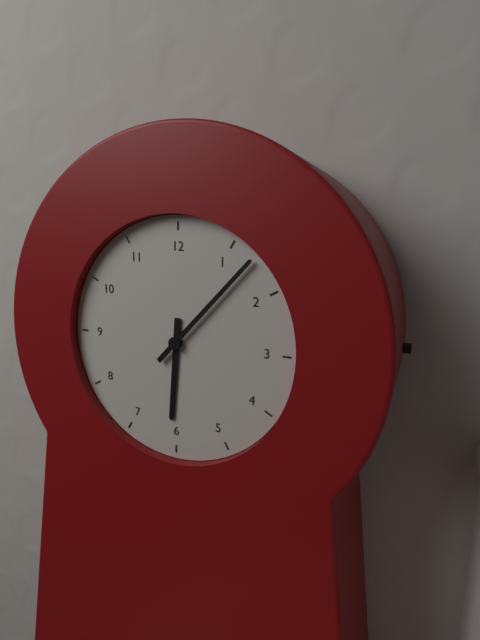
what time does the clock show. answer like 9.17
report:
6.07
